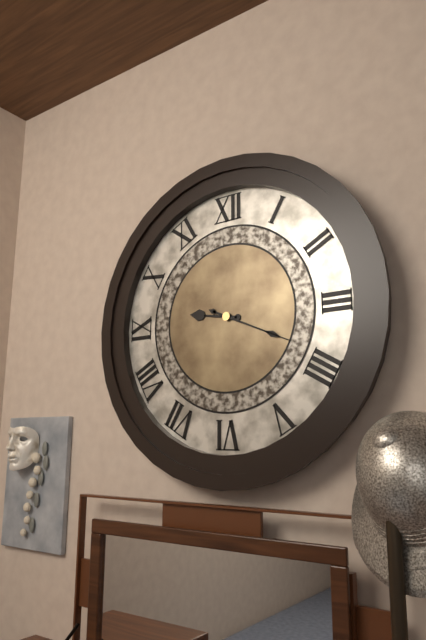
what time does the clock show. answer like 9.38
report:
9.19
